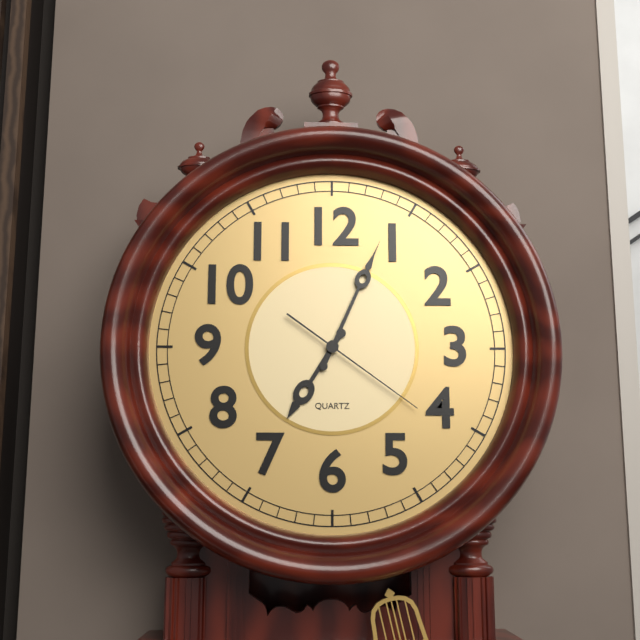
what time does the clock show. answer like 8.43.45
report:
7.04.21
